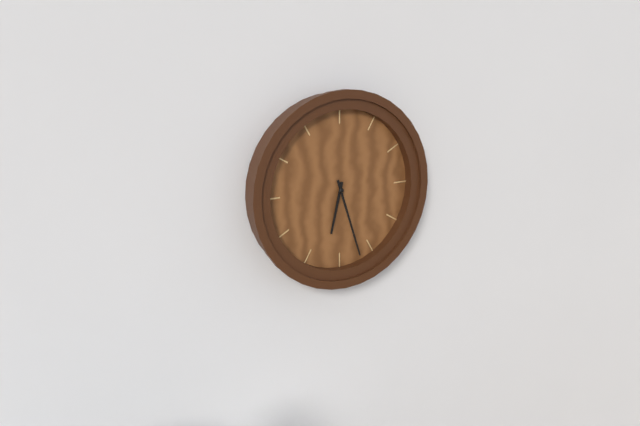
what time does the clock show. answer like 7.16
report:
6.27
